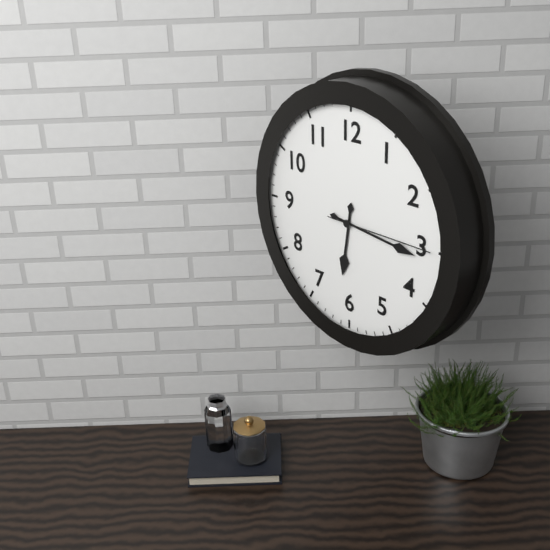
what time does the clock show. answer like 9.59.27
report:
6.16.15
